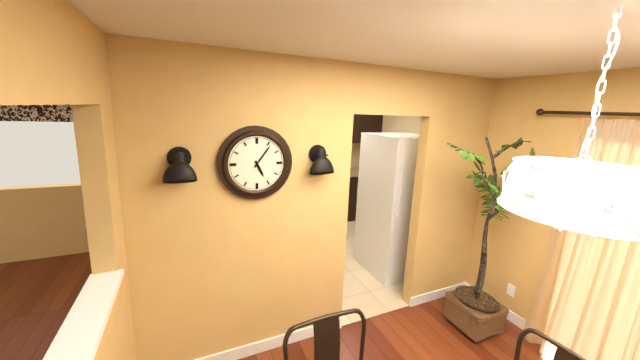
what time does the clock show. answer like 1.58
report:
5.06
